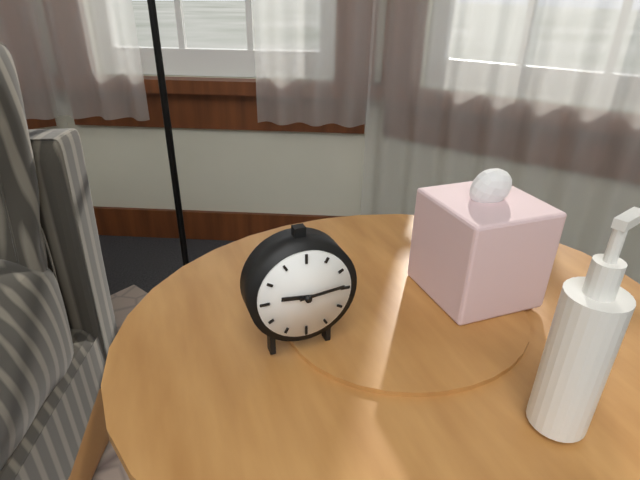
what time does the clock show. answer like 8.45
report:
9.14
